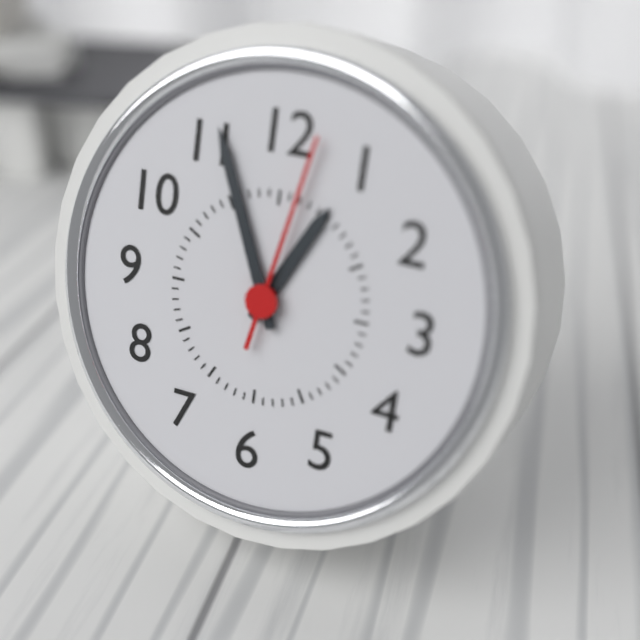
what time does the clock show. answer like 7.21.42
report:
12.56.02
